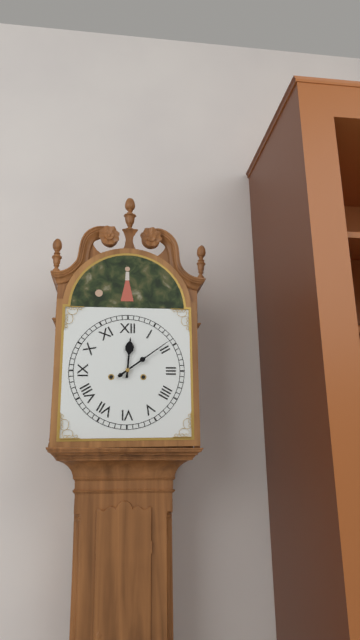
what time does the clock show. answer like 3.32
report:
12.09
